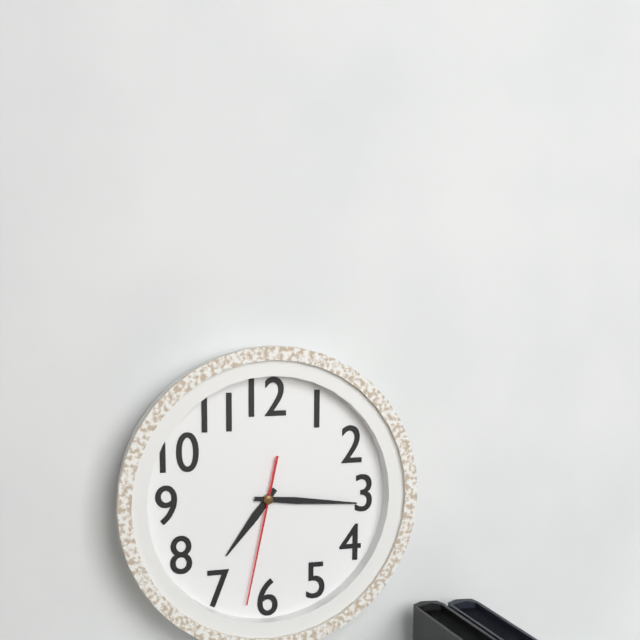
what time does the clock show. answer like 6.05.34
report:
7.16.32
